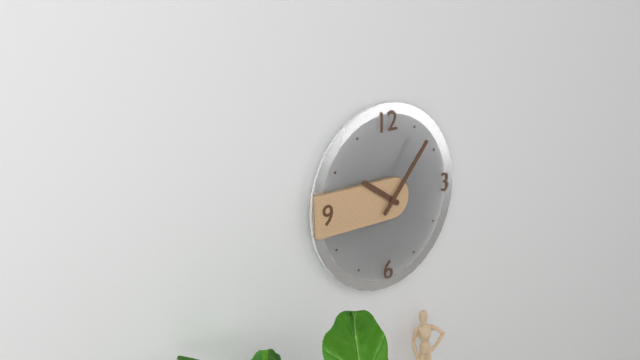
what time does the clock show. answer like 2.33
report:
10.07
